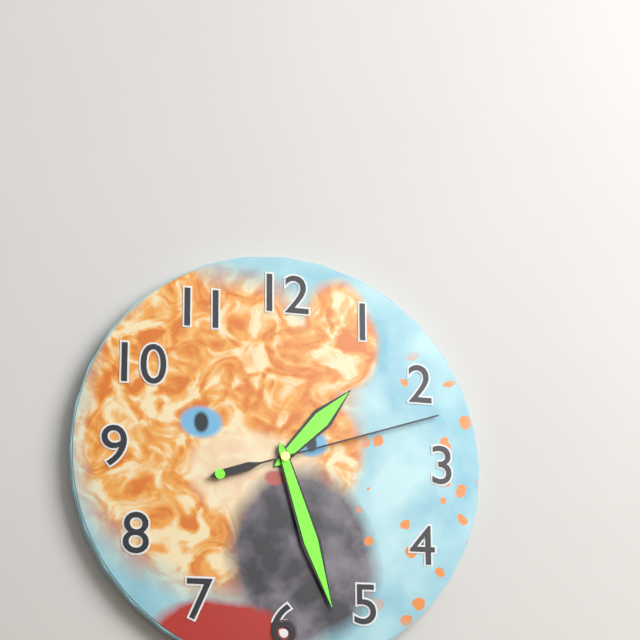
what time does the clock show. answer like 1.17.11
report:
1.27.12
